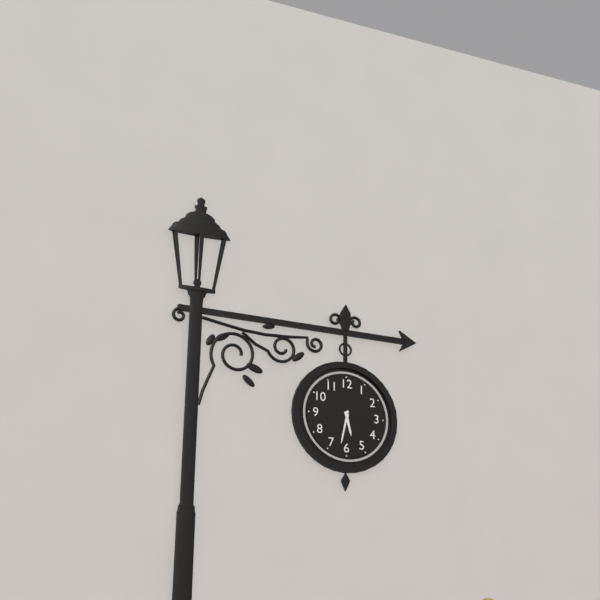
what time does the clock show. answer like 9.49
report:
5.32
